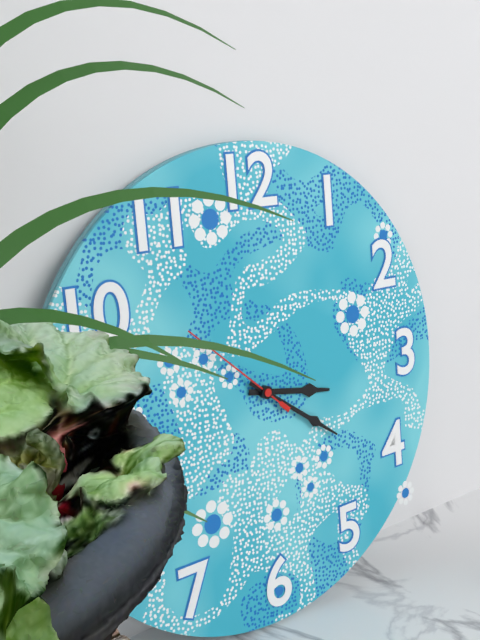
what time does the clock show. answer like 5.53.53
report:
3.21.52
